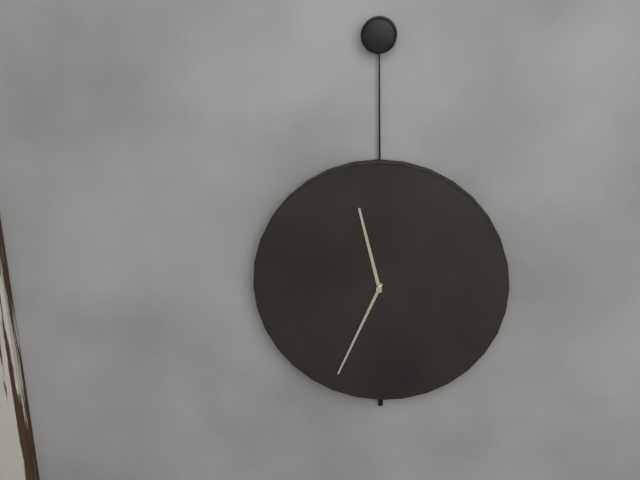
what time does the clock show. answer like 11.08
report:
11.34
